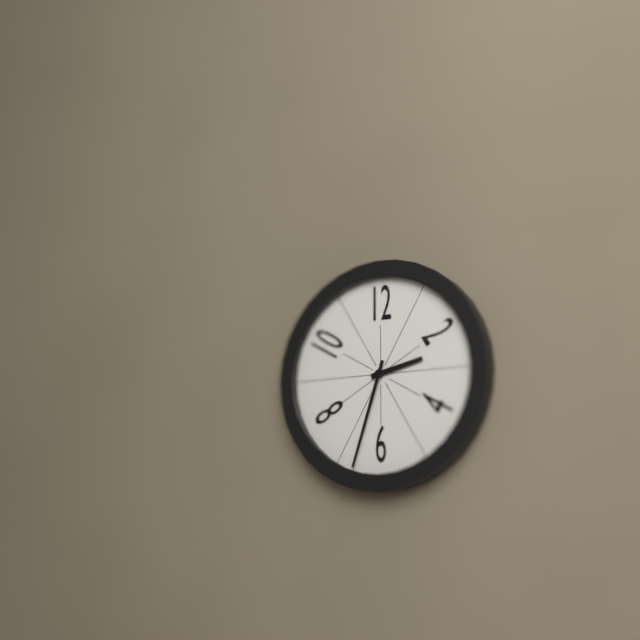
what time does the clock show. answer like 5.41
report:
2.33
